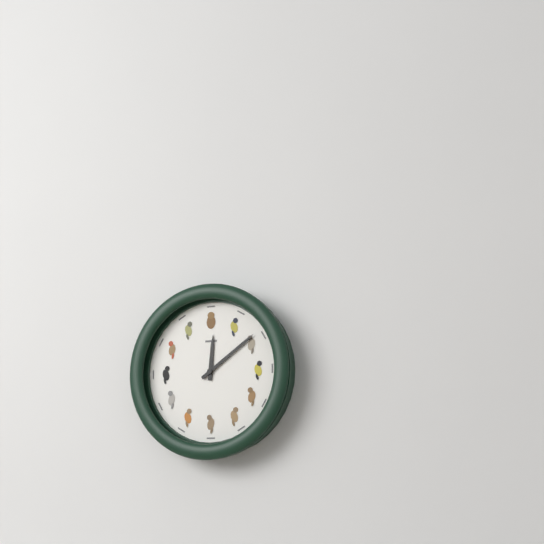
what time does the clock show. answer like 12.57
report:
12.09
